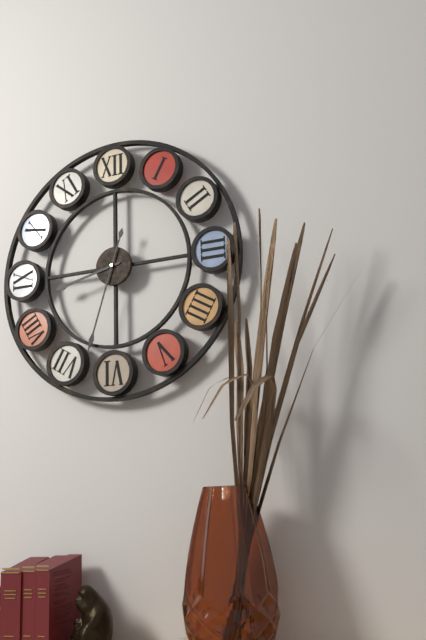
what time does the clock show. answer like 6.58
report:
8.33
